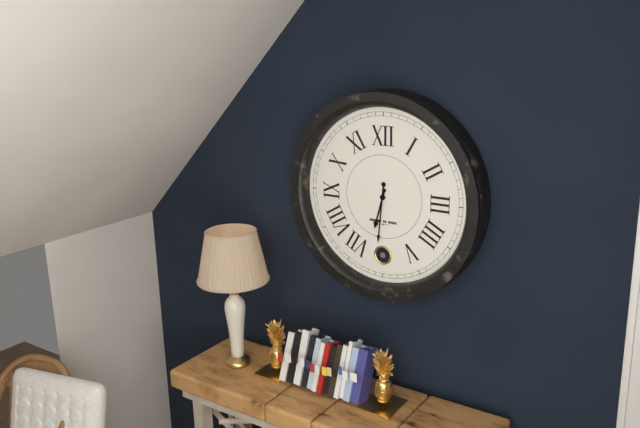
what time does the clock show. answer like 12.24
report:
6.31
